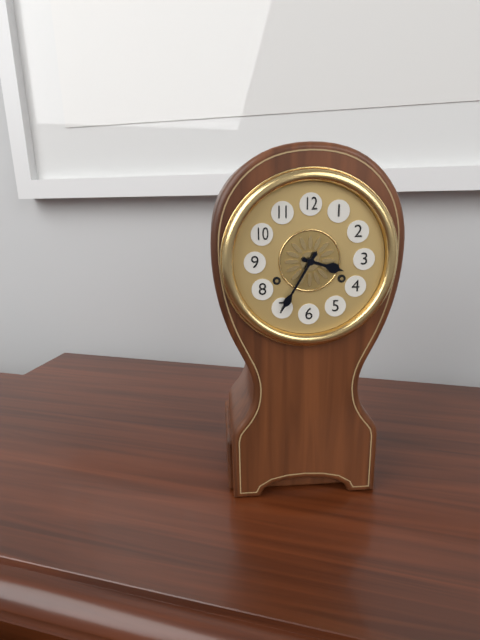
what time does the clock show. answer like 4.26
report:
3.35
